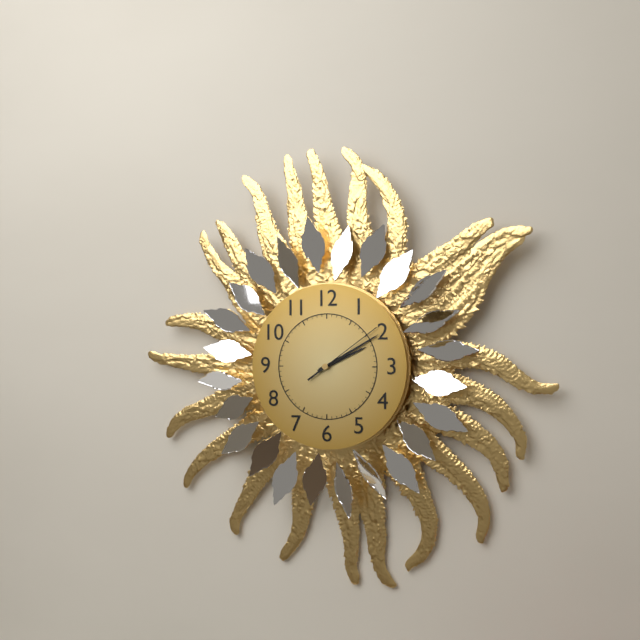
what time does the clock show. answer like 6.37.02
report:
2.10.09
